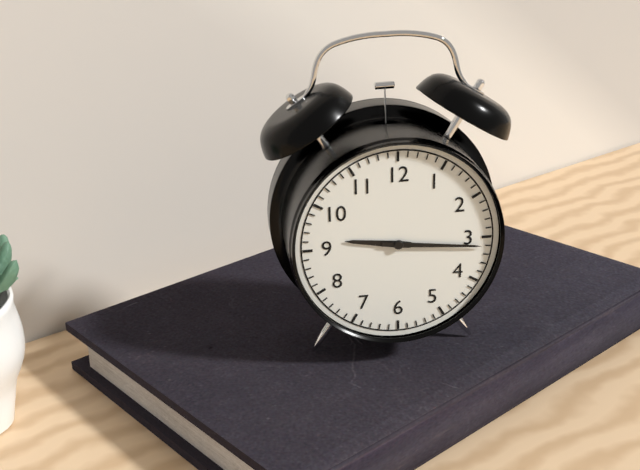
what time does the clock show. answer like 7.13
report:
9.16
